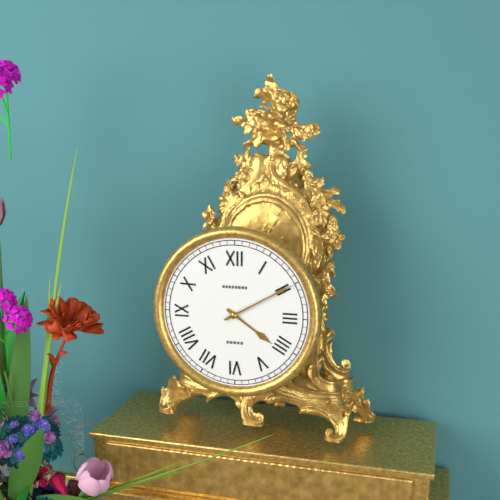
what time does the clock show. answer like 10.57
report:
4.10
